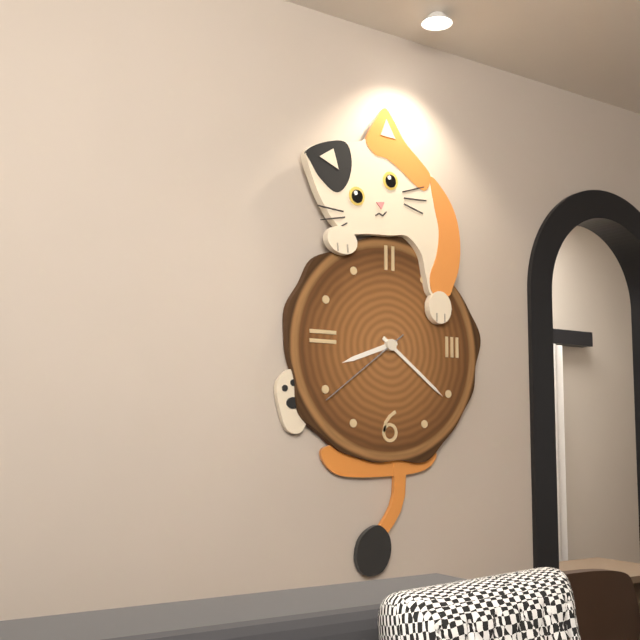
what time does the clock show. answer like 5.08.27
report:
8.21.39
